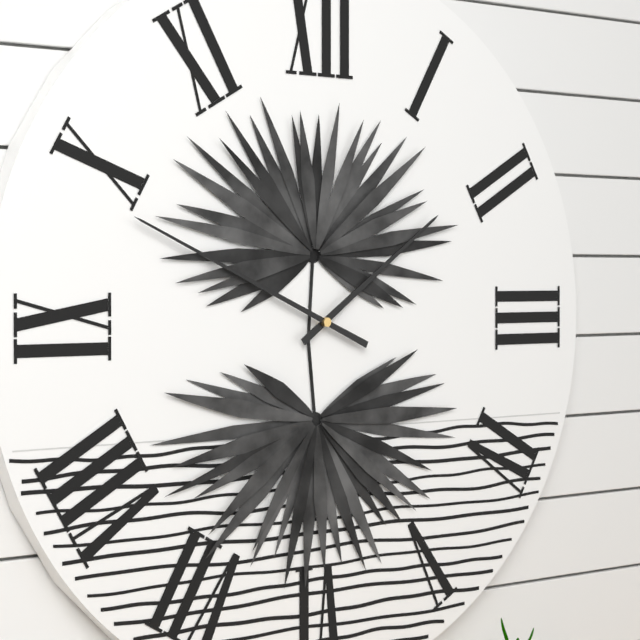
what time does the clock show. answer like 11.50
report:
1.49
